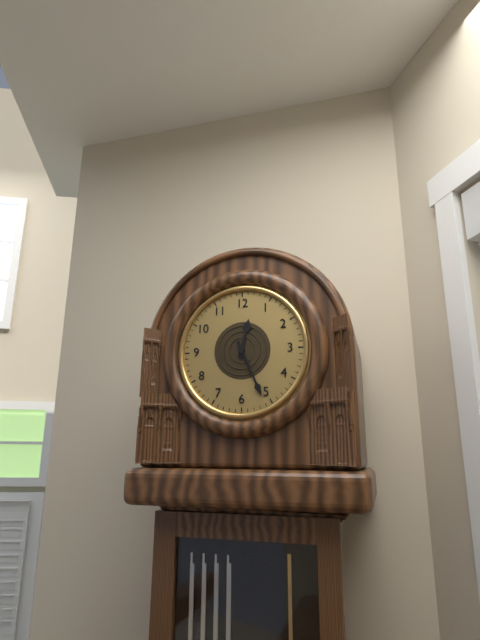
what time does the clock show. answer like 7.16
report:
12.26
